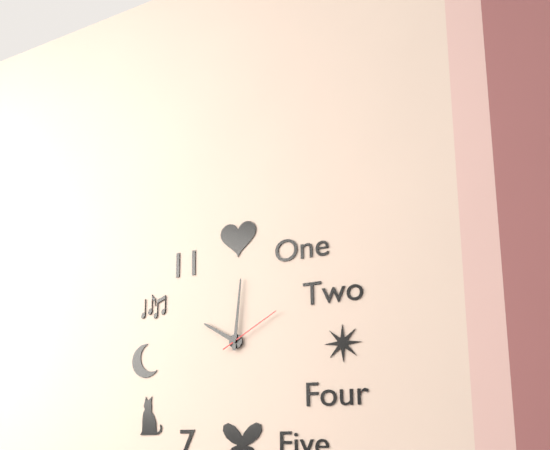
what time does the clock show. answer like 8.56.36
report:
10.01.10
